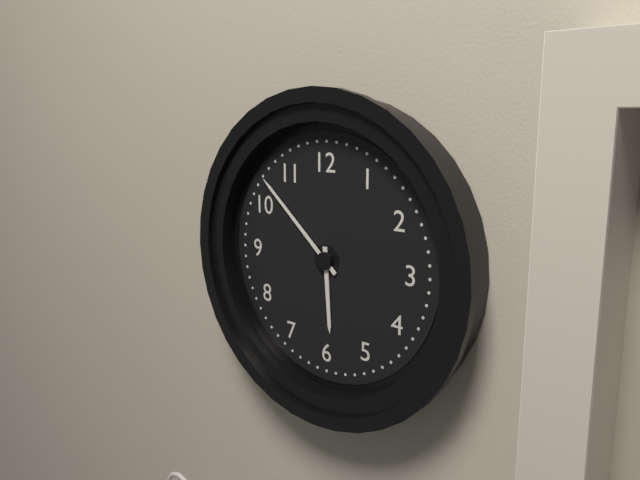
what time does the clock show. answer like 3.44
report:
5.52
